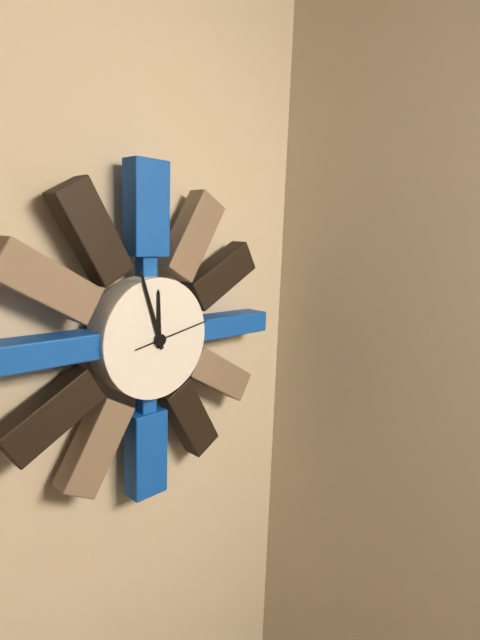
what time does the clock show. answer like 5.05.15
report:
11.57.13
